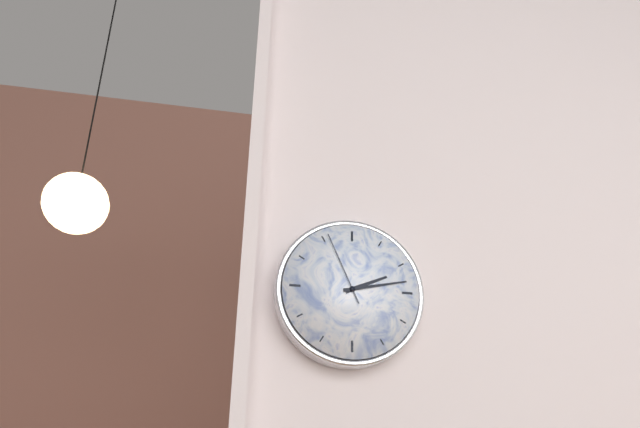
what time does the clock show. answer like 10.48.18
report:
2.13.56
